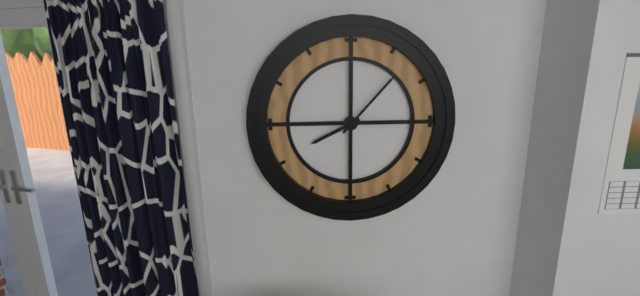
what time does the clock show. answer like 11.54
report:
8.07
